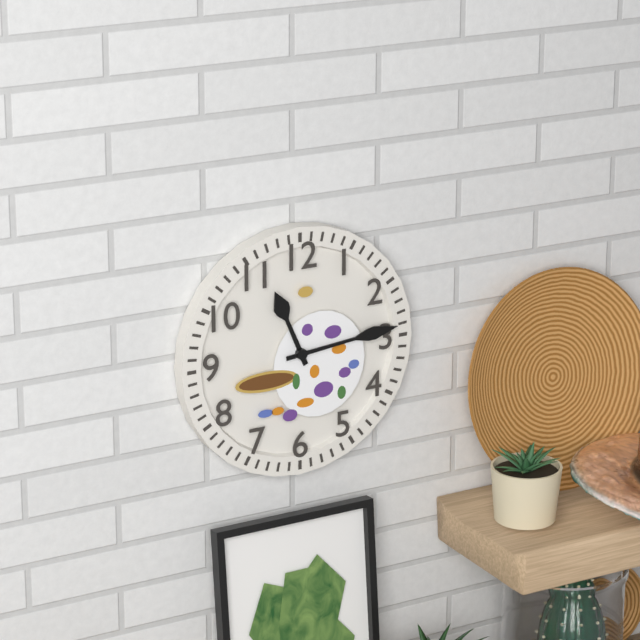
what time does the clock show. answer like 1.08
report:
11.14
